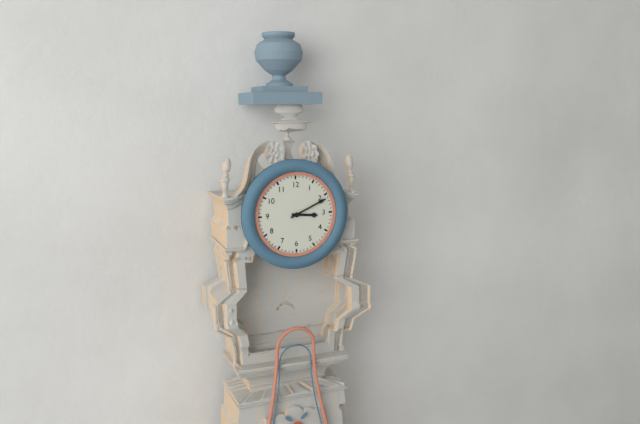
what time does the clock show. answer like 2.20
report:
3.11
